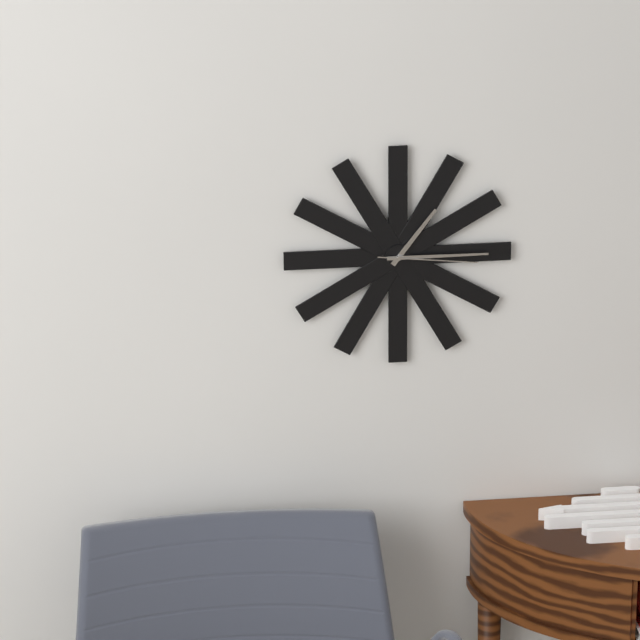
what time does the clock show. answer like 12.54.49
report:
1.15.16
